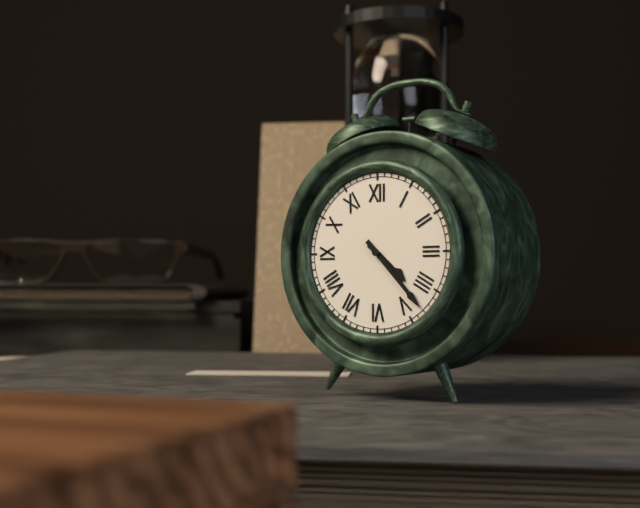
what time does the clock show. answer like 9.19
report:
4.23
